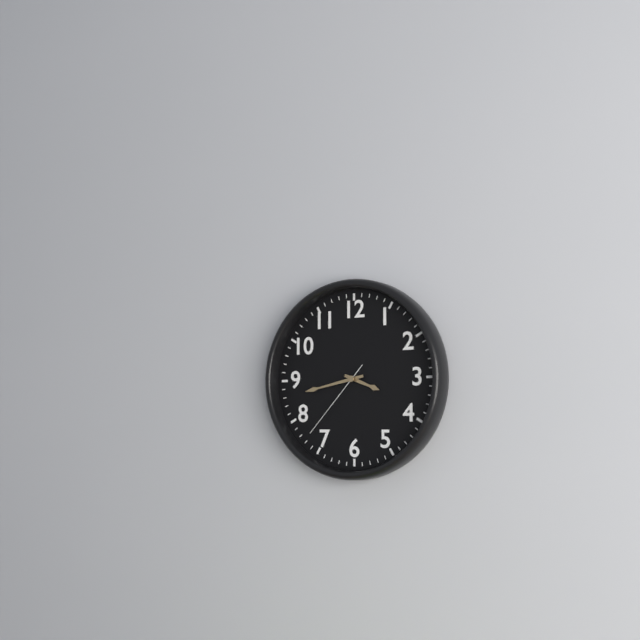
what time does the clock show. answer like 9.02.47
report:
3.43.37
